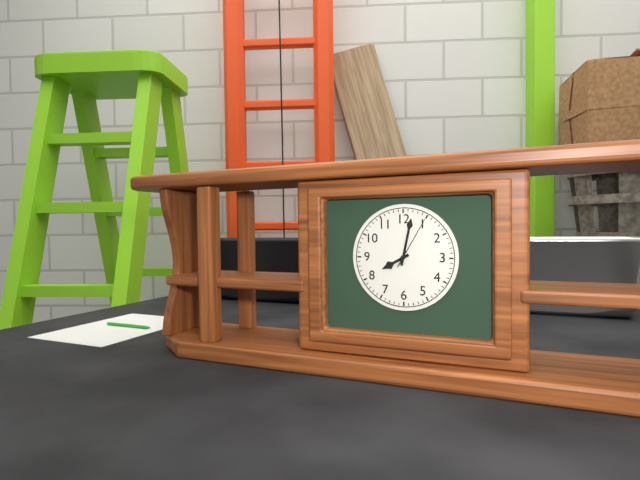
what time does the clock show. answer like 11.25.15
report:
8.02.05
